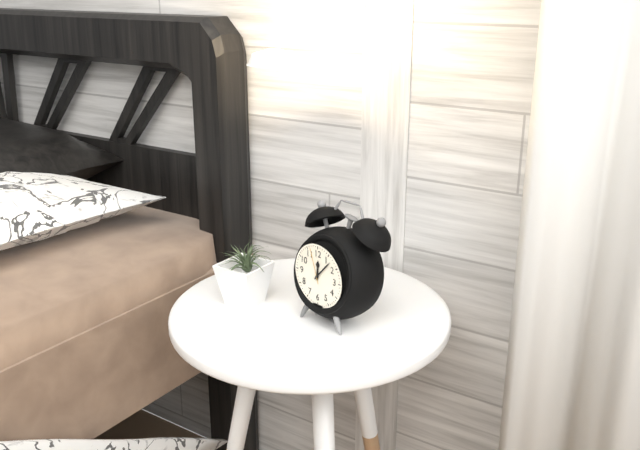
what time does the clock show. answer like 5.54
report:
12.07
